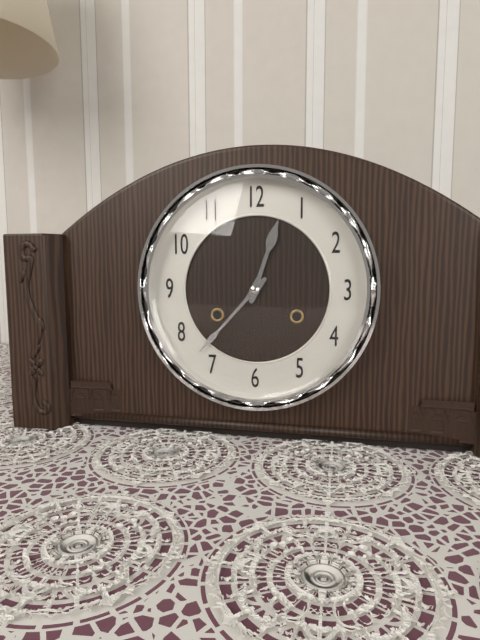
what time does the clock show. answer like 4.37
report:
12.37
